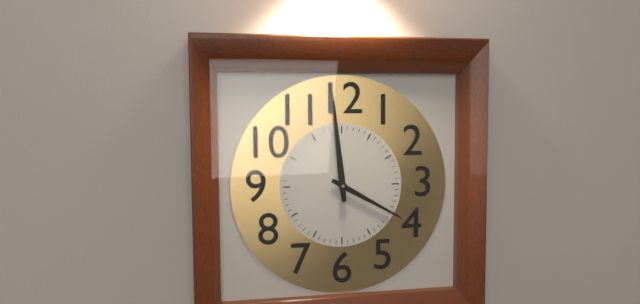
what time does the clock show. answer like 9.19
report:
3.59
